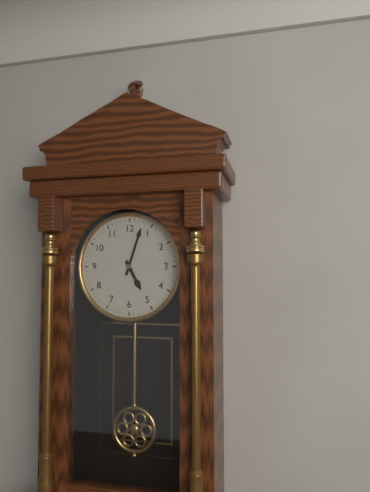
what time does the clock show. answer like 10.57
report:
5.03
